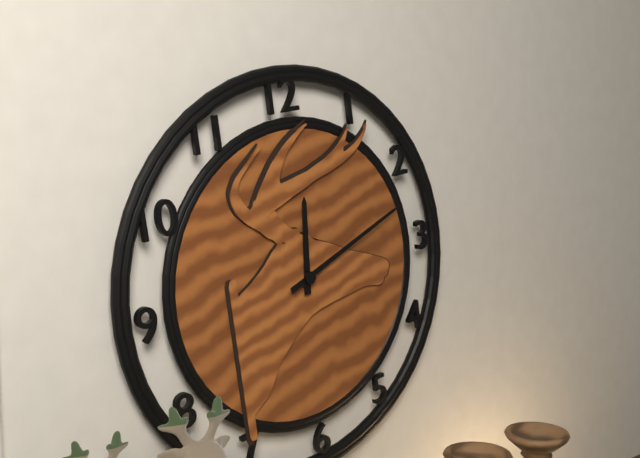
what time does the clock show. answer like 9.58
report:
12.12
